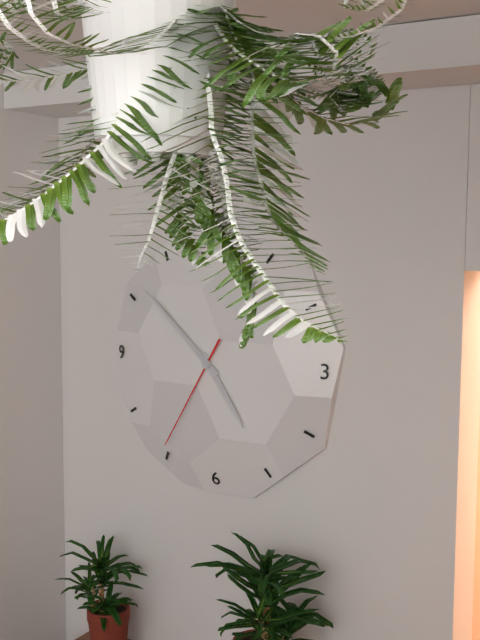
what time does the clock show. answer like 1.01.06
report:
4.52.35
